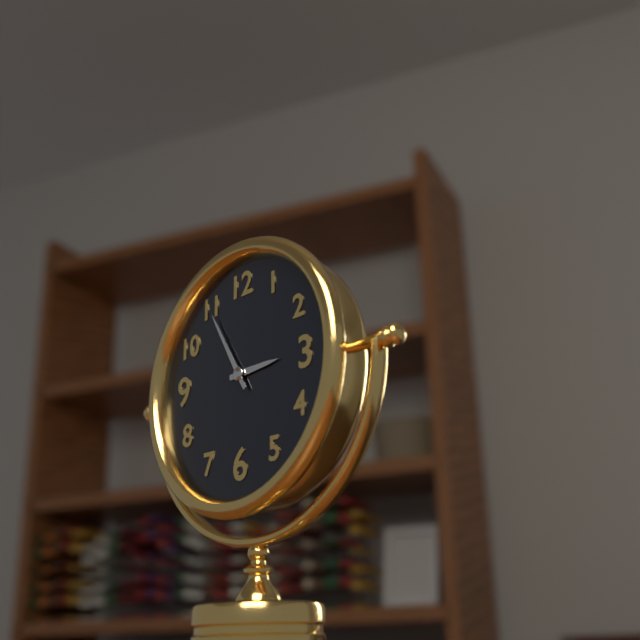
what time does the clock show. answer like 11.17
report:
2.55
